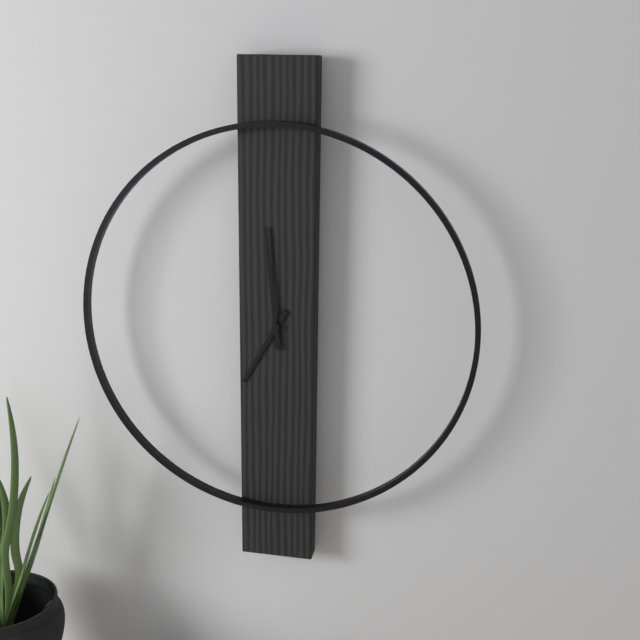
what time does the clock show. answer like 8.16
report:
6.59
